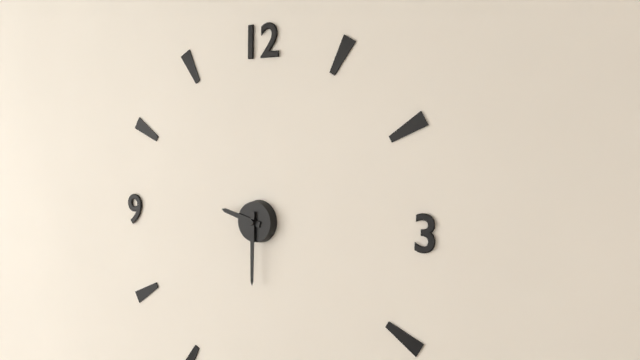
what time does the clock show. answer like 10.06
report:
9.30
